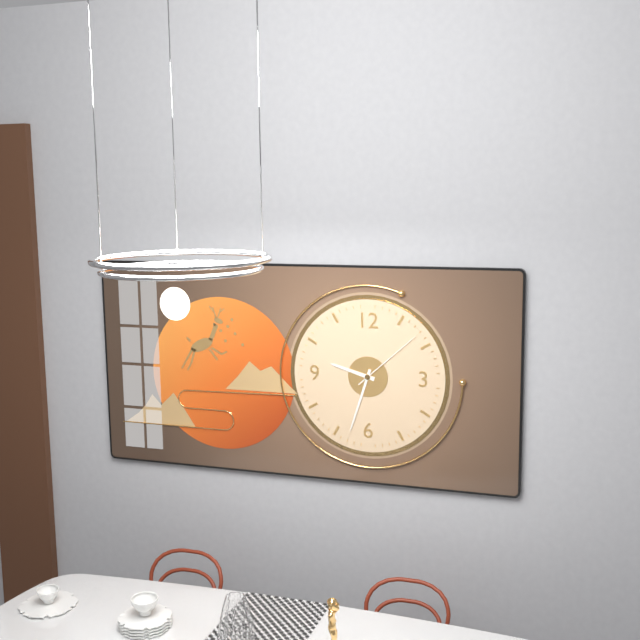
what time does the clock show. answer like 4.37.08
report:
9.33.08
